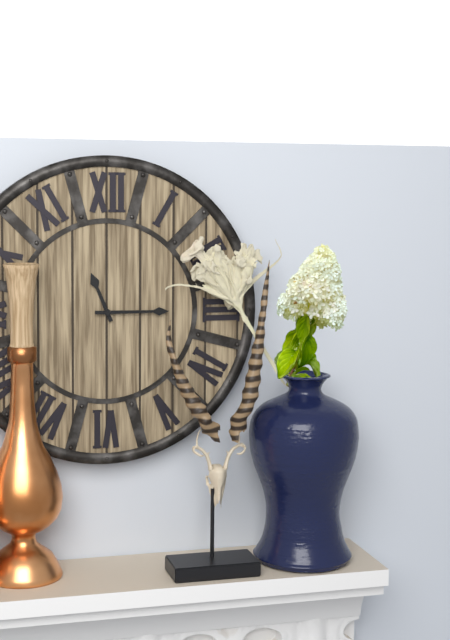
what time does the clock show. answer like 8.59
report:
11.15
